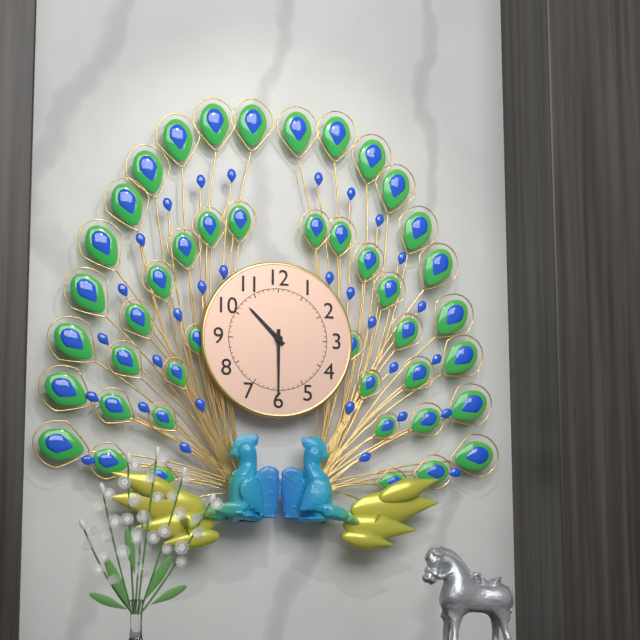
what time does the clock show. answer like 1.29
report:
10.30
